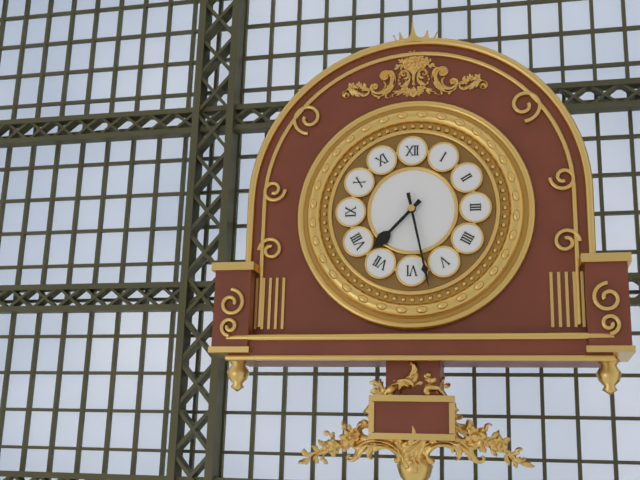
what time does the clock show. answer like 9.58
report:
7.28
